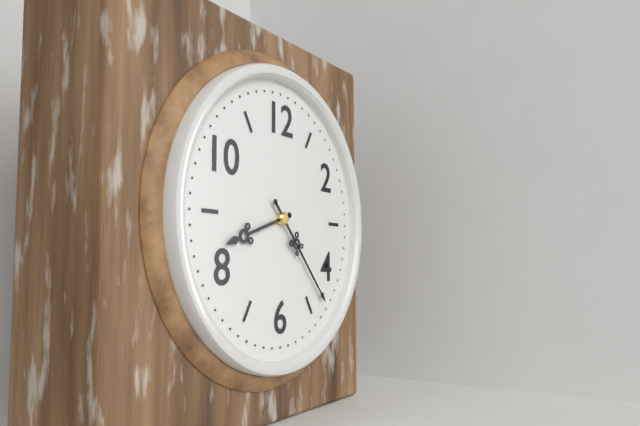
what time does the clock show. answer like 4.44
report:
8.23
